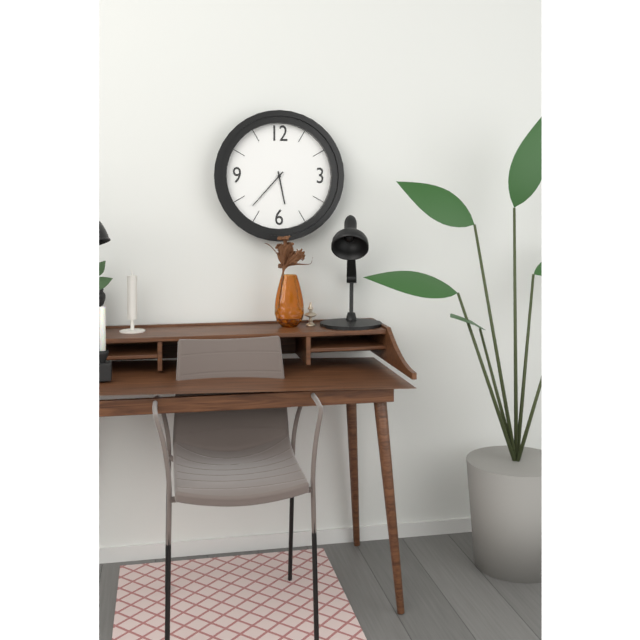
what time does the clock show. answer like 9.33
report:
5.37
